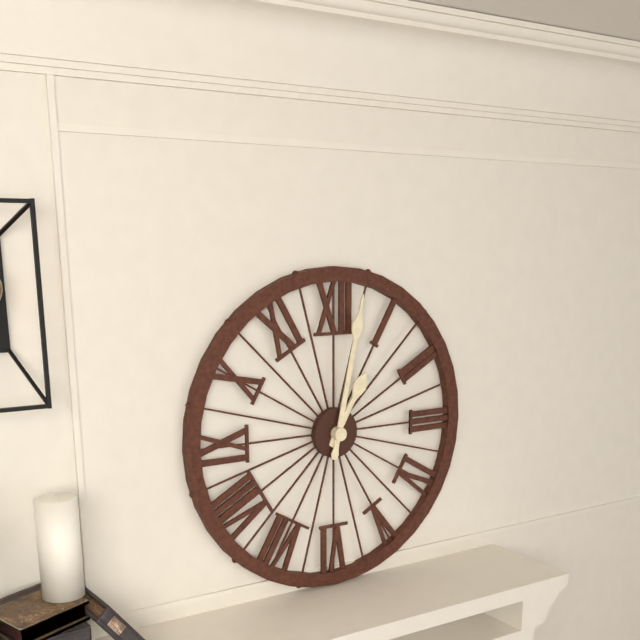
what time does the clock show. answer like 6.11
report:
1.02
